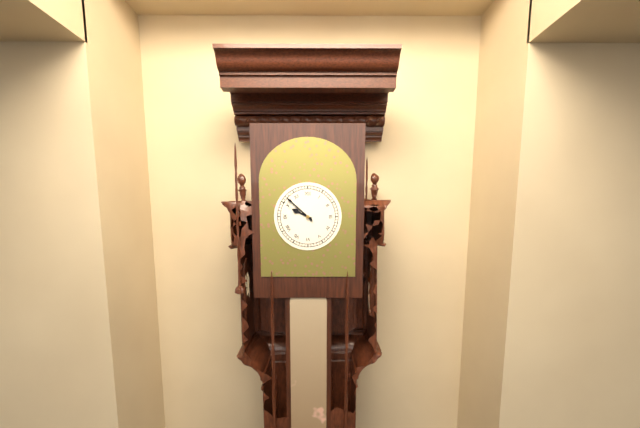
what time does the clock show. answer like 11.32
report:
9.52
